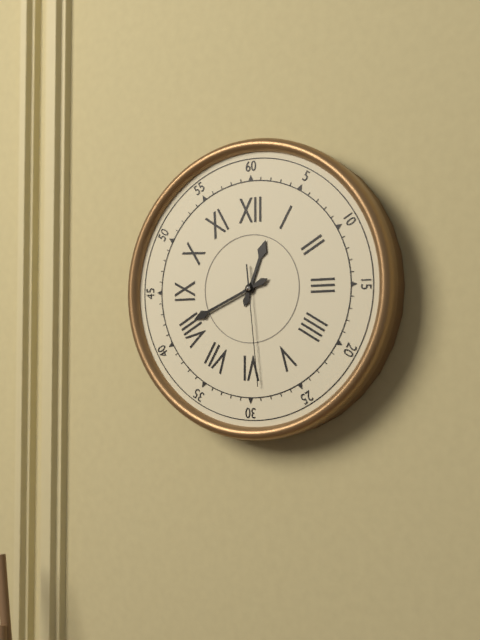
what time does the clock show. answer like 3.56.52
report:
12.41.29
